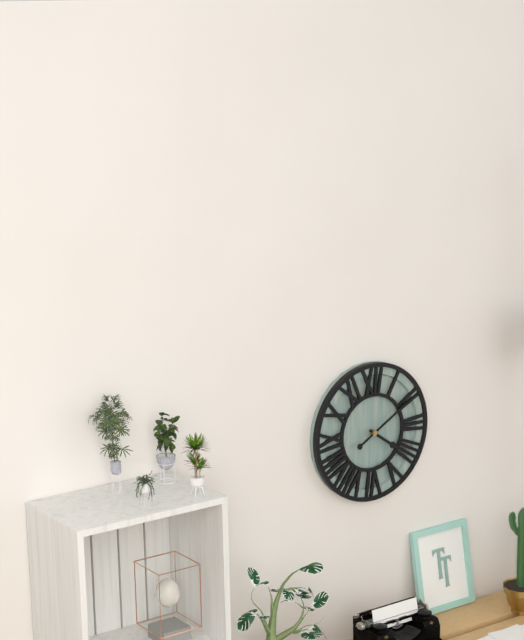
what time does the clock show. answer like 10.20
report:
4.10
